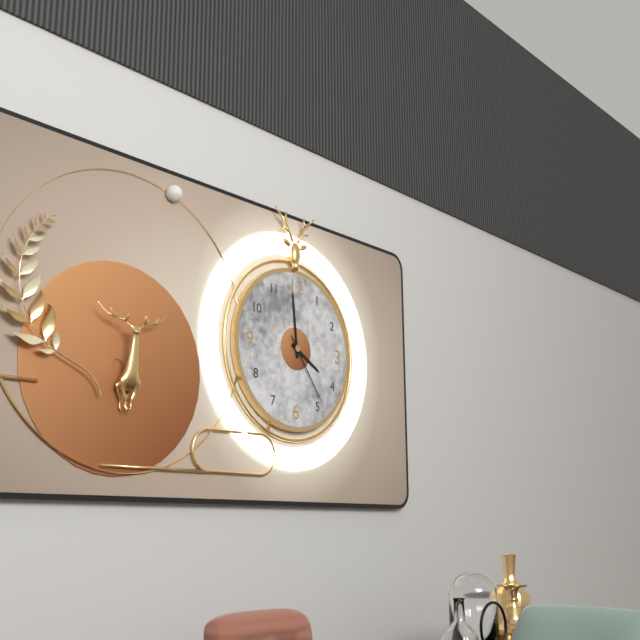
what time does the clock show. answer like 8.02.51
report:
3.59.24
